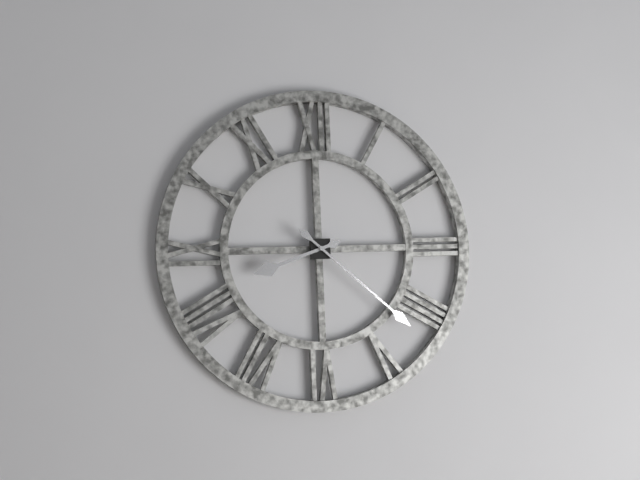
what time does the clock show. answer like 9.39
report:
8.22
